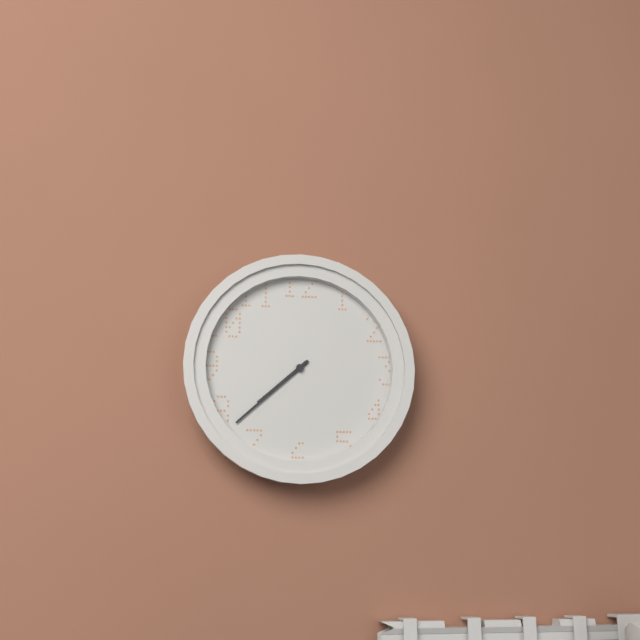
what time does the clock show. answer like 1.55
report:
7.38
